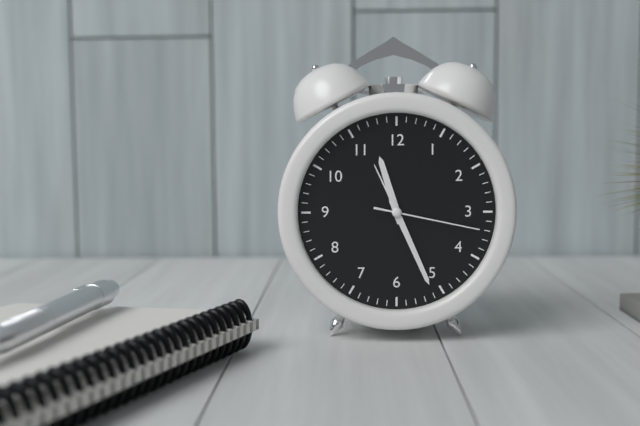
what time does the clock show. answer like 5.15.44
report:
11.26.17
